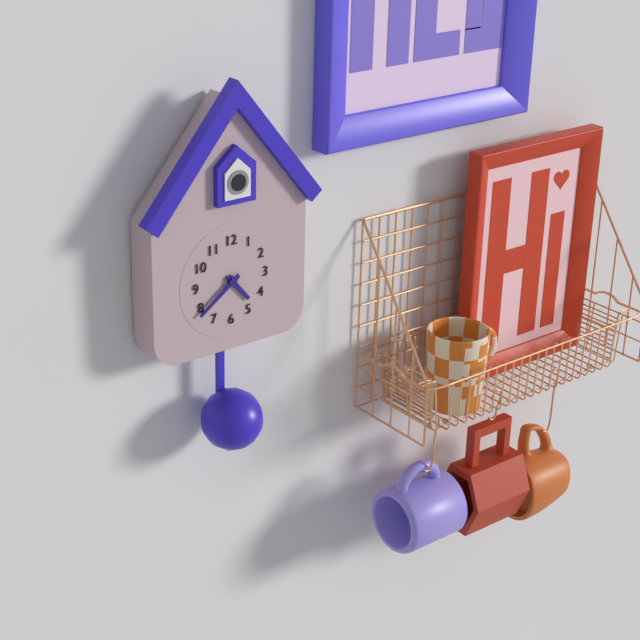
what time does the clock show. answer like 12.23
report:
4.39
